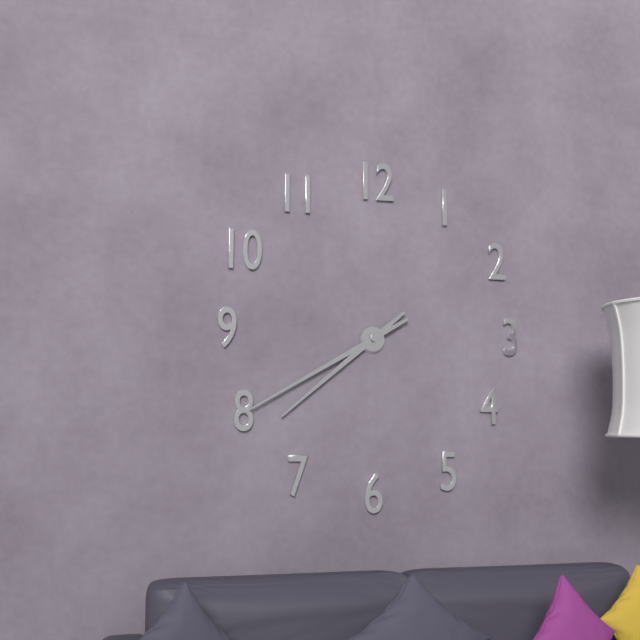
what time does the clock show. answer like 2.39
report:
7.40
